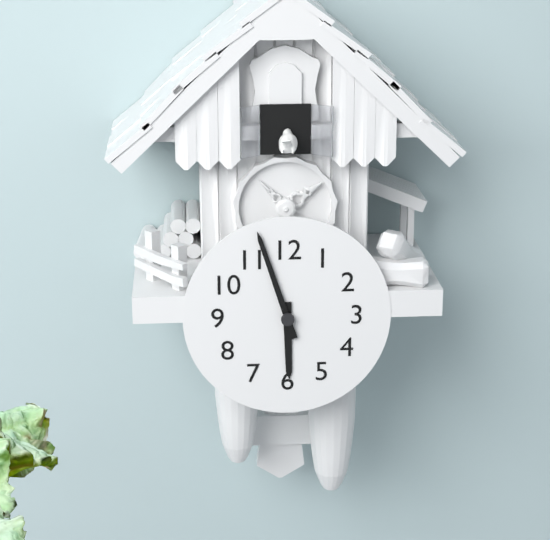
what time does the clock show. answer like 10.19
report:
5.57
